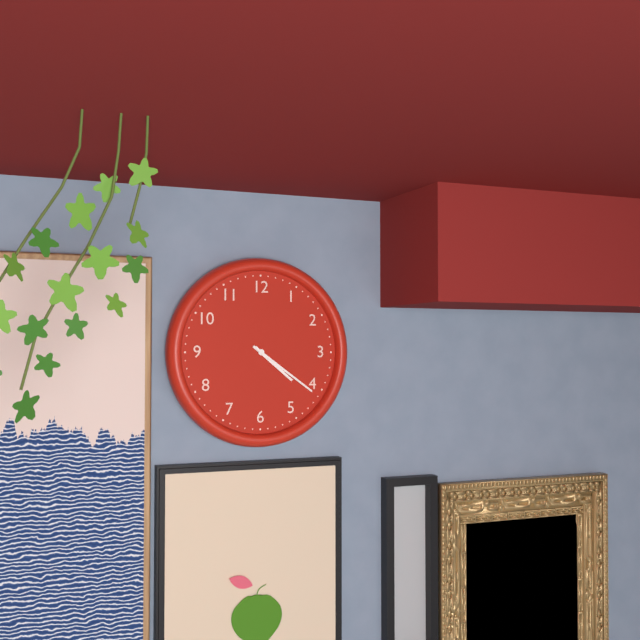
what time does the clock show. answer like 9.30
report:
4.21
